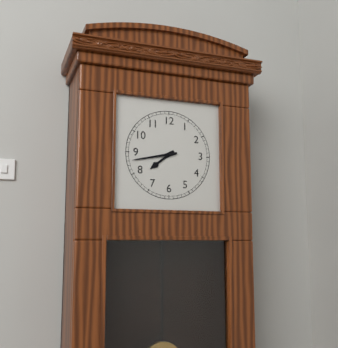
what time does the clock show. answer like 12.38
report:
7.43
